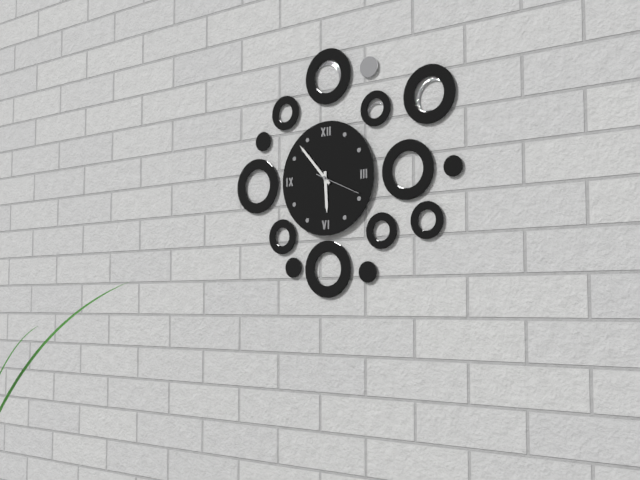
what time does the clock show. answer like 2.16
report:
5.53
